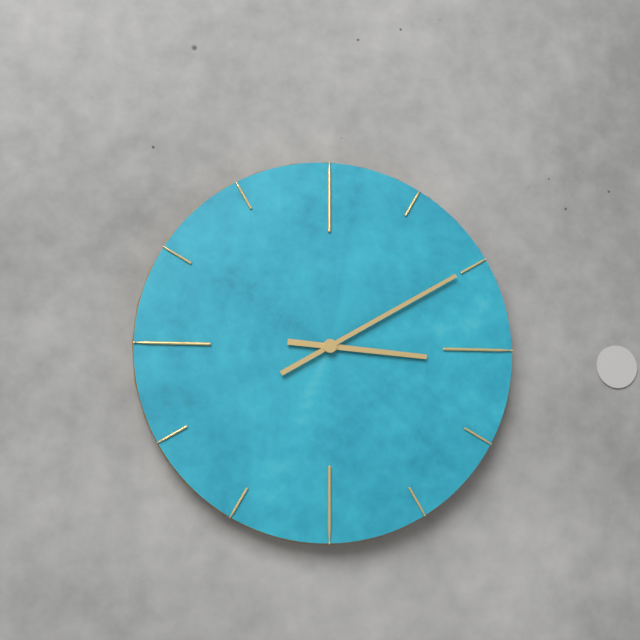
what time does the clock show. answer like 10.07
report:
3.10
